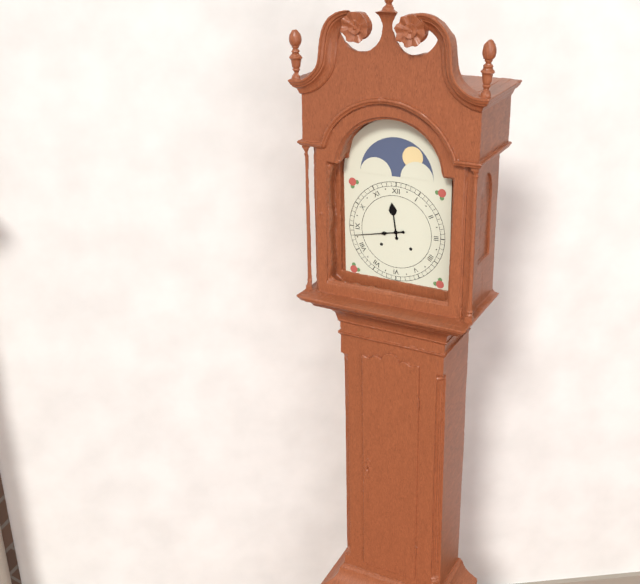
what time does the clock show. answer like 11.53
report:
11.43
